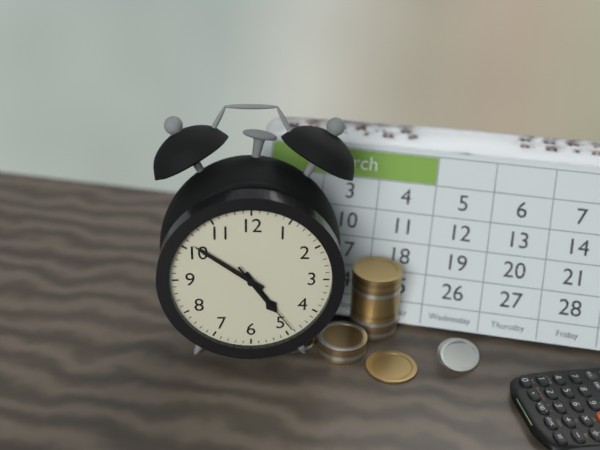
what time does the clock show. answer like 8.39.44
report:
4.51.24
